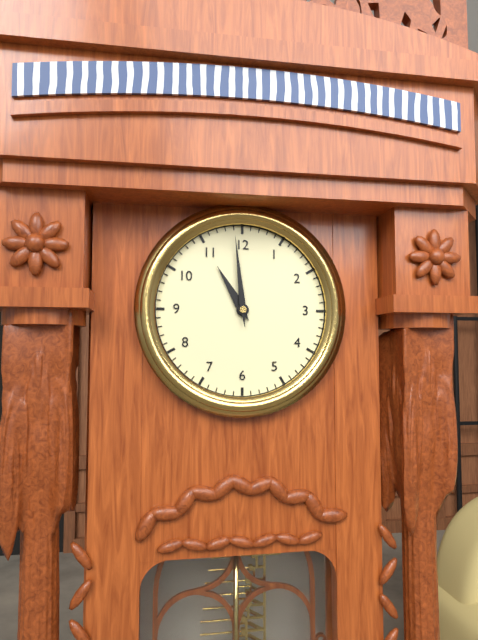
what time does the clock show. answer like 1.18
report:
10.59
